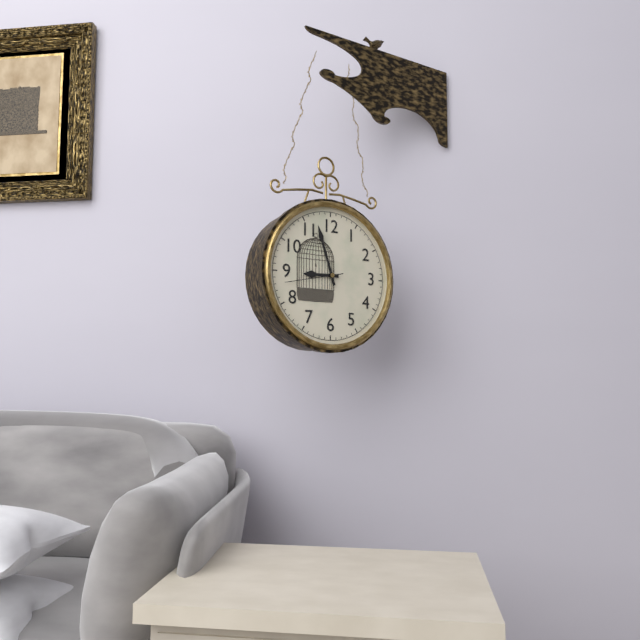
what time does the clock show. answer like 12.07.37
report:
8.57.43
